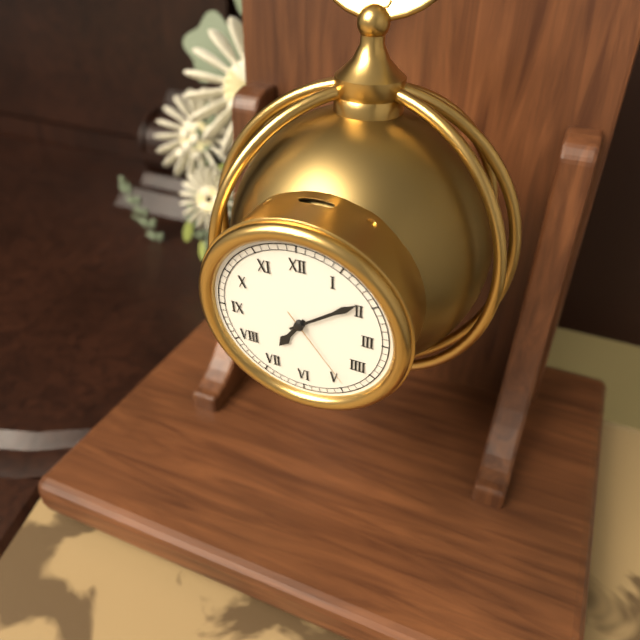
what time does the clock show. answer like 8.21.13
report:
7.09.24
